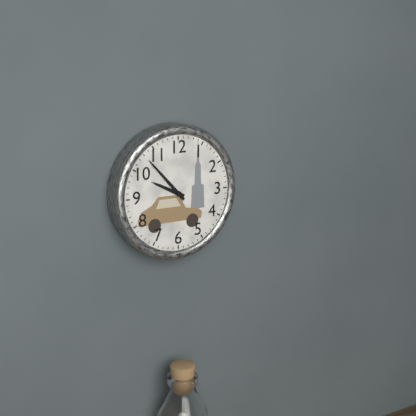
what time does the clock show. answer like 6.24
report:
9.53
